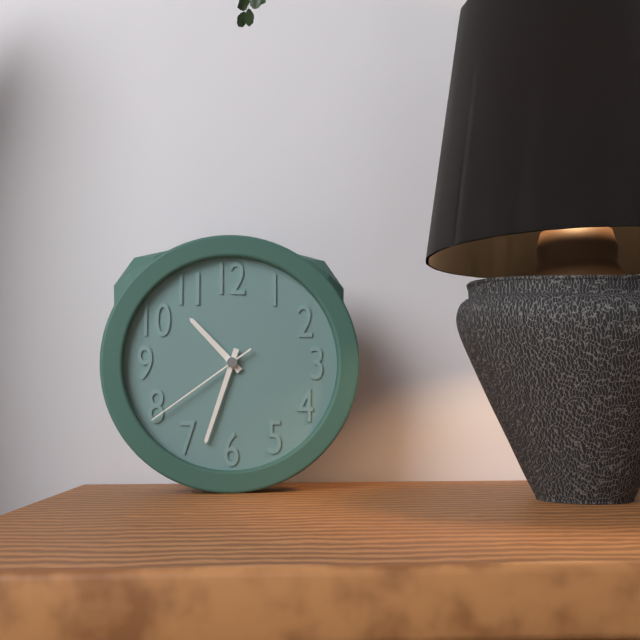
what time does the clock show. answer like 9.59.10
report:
10.33.39
